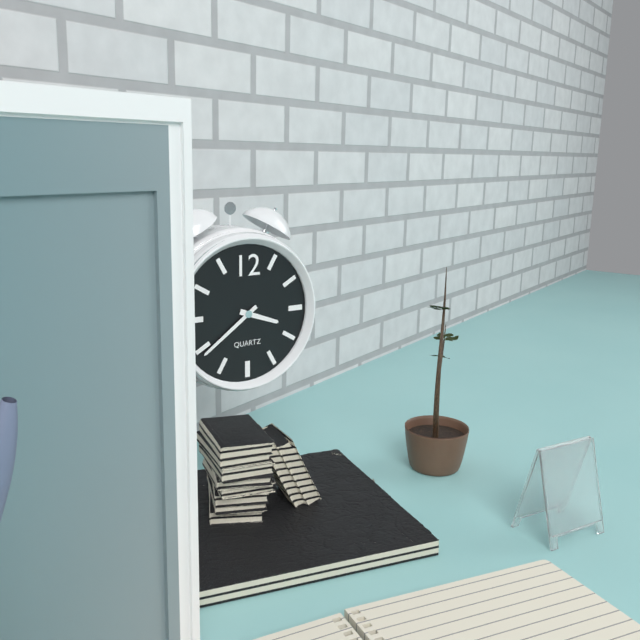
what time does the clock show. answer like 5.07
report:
3.39
